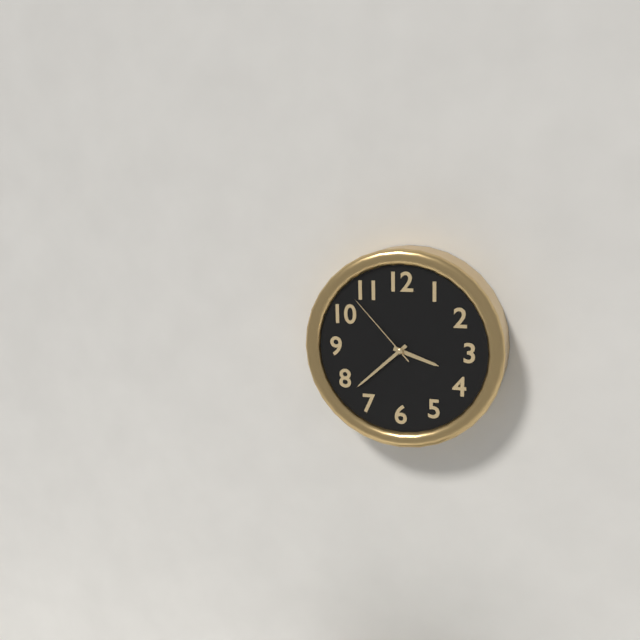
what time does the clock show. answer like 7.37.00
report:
3.38.53
